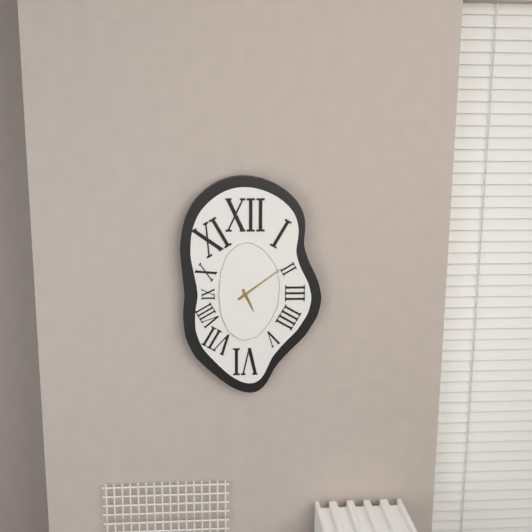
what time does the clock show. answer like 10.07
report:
5.09
